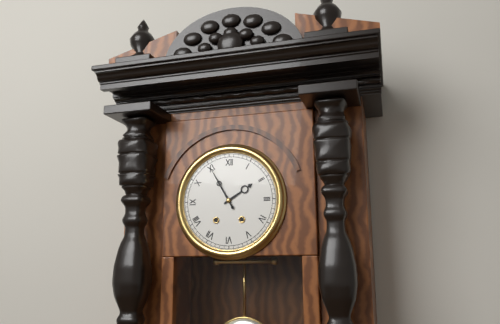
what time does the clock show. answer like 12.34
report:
1.55
